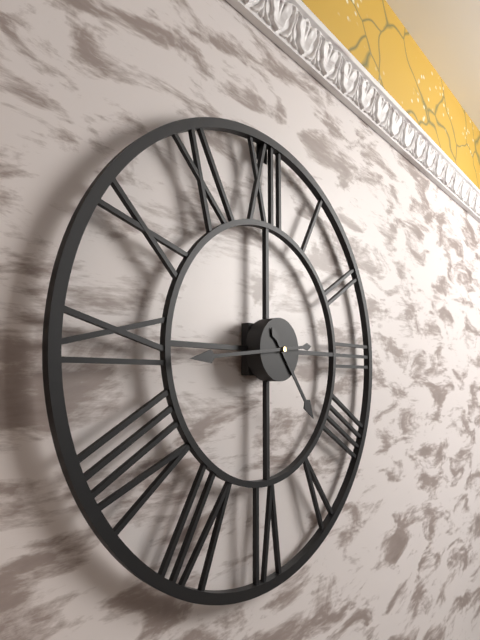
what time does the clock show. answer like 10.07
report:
4.44
